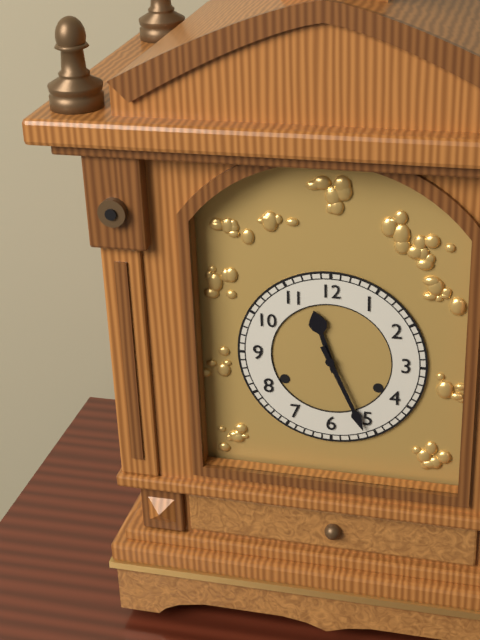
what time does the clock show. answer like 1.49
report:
11.26
